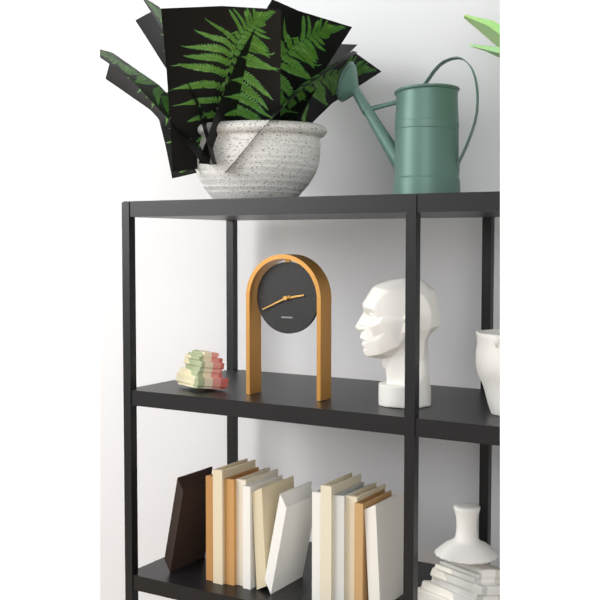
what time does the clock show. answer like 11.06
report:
2.41
